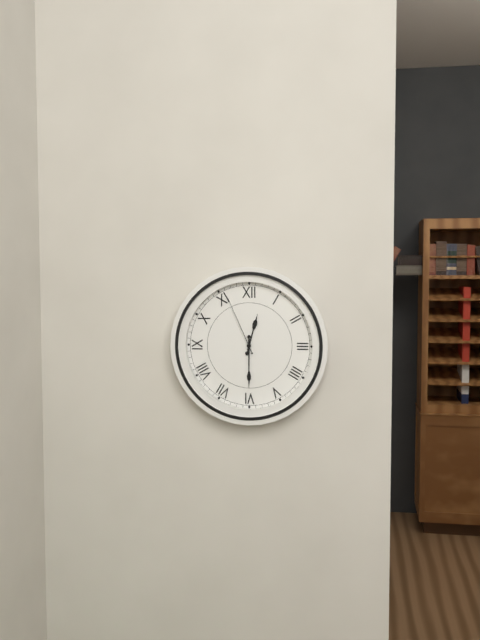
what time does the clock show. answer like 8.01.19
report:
12.30.56
